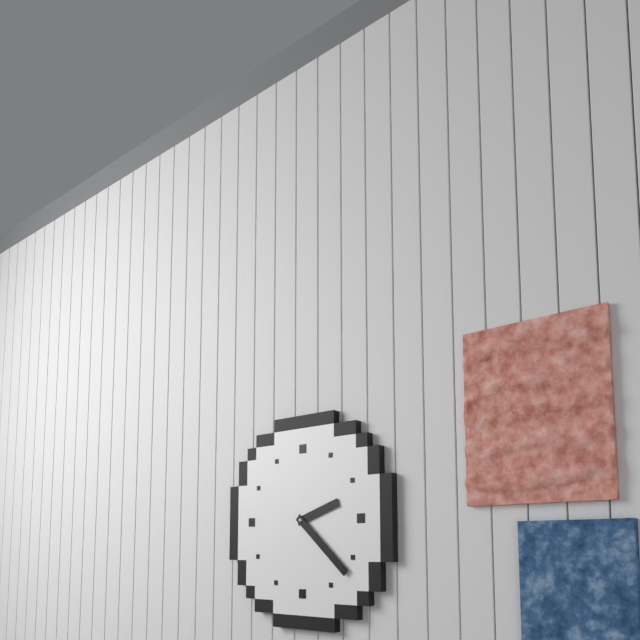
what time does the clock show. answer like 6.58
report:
2.22
